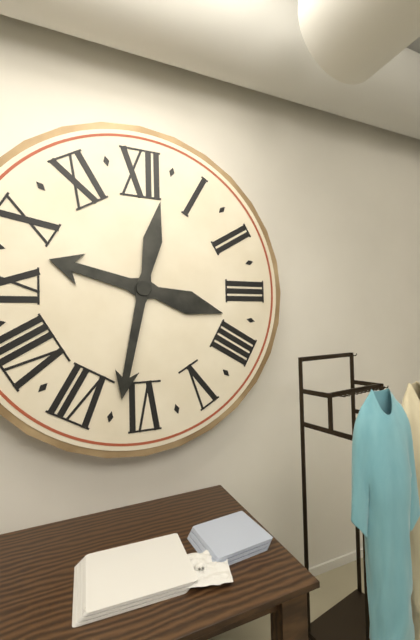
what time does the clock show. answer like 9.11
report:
9.32
